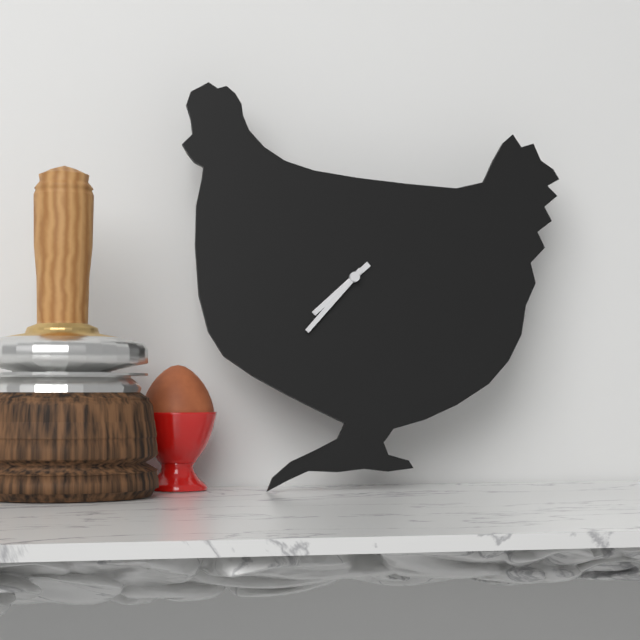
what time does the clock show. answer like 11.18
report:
7.37
